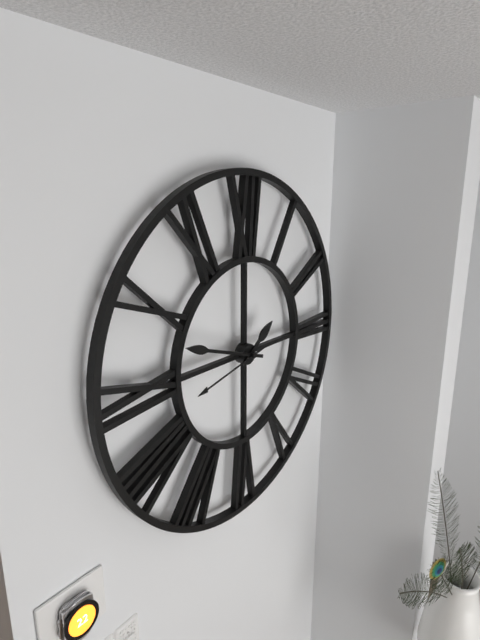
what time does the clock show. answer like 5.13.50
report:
1.48.43
